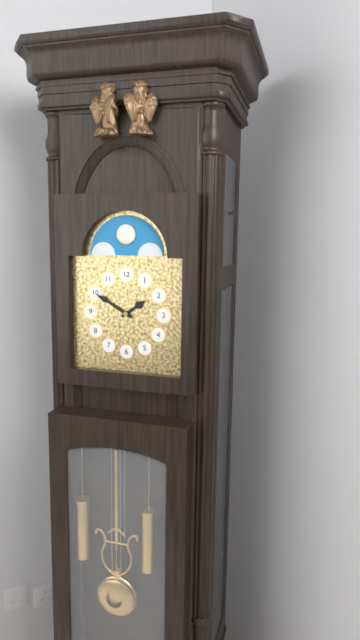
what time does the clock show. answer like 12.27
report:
1.50
